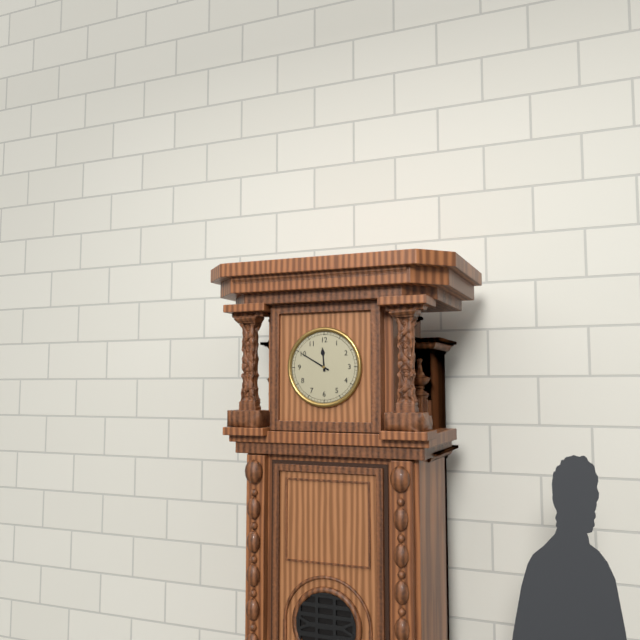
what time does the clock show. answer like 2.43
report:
11.50
